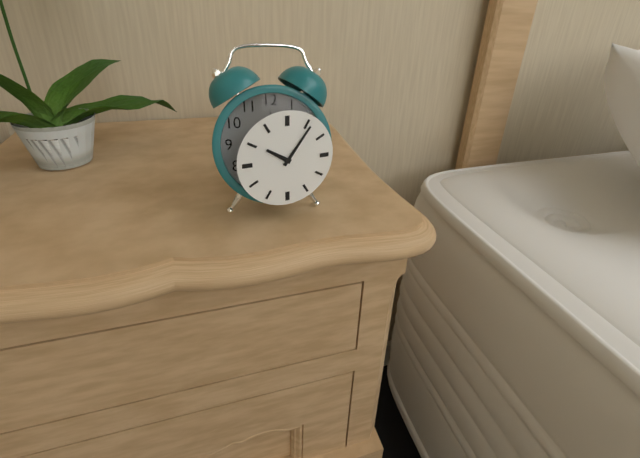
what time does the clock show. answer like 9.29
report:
10.06
